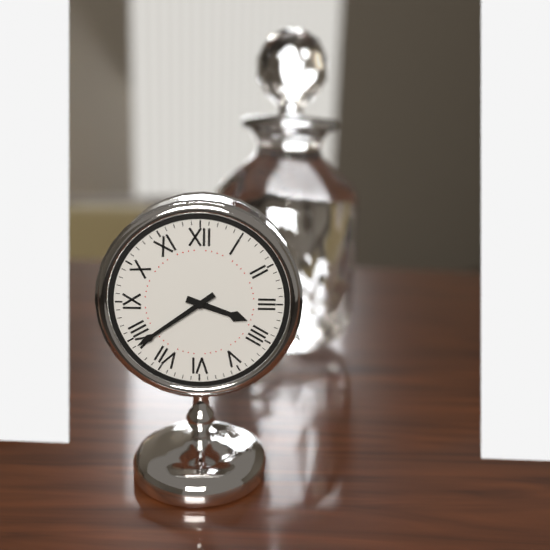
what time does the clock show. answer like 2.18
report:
3.39
